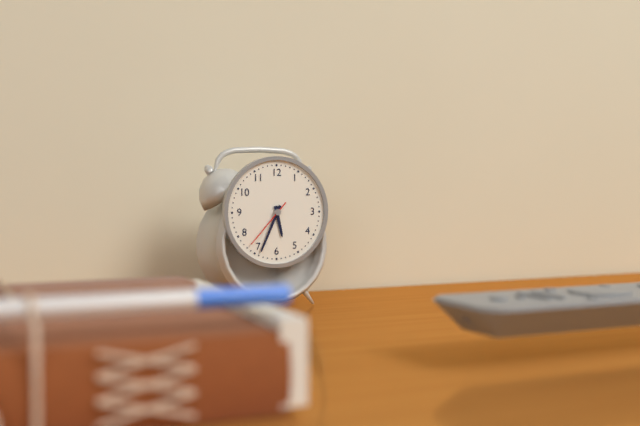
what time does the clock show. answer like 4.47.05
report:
5.34.37
